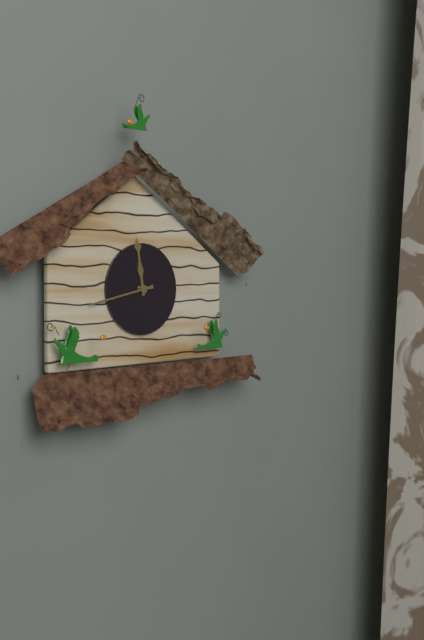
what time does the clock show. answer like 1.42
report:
11.43
